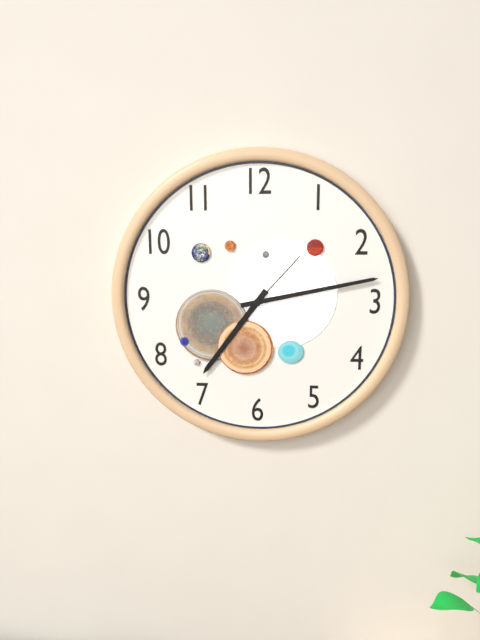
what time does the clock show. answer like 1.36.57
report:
7.13.07
